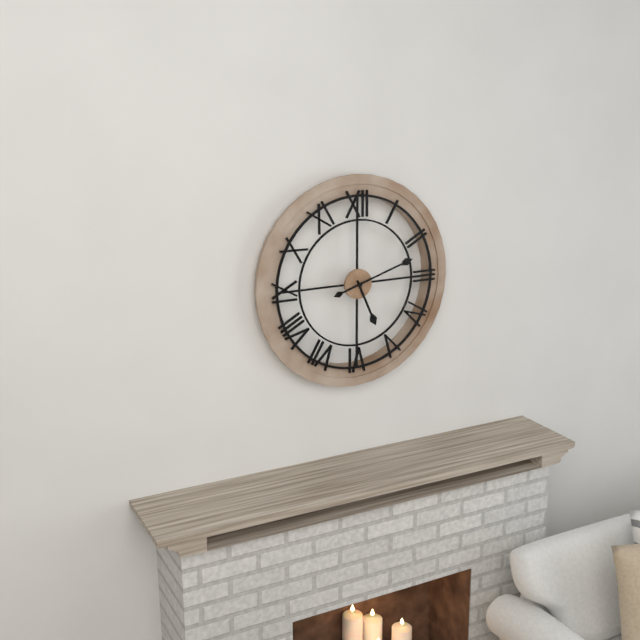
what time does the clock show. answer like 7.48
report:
5.12
